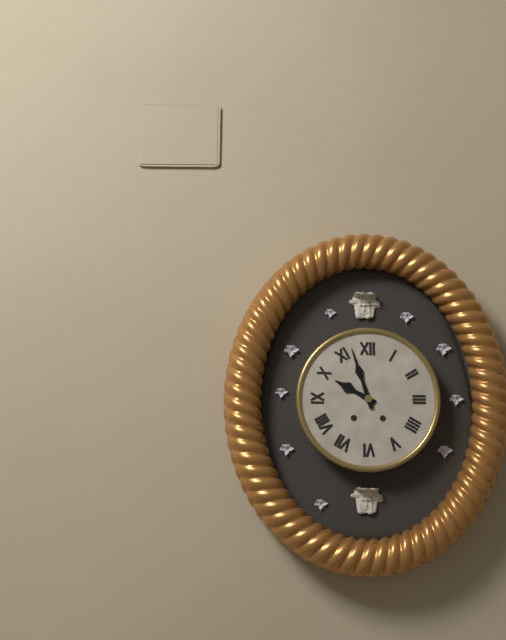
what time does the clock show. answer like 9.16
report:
9.57
